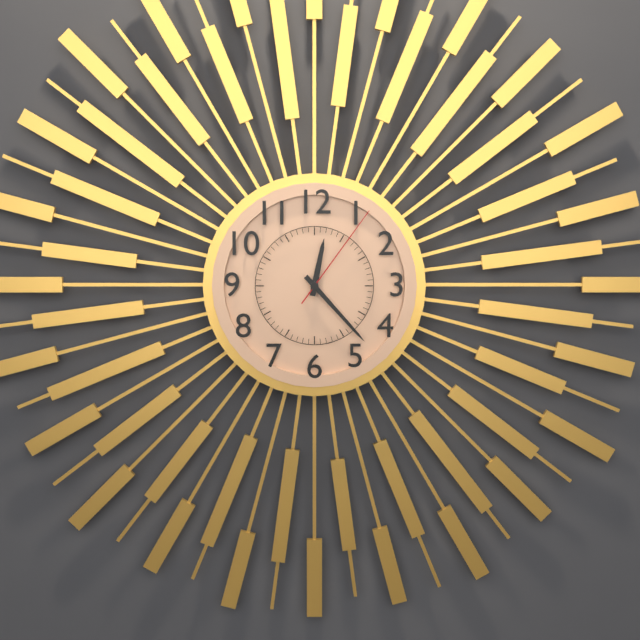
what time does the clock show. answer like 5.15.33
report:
12.23.06
